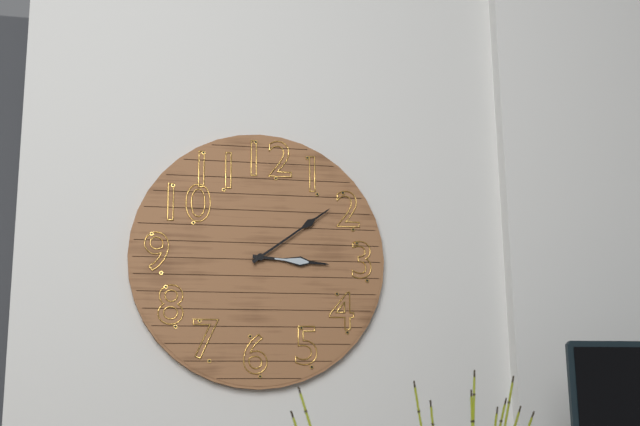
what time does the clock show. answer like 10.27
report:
3.09
